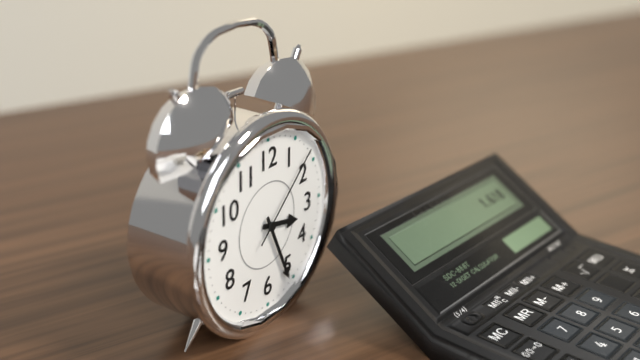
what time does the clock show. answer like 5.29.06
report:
3.26.08
